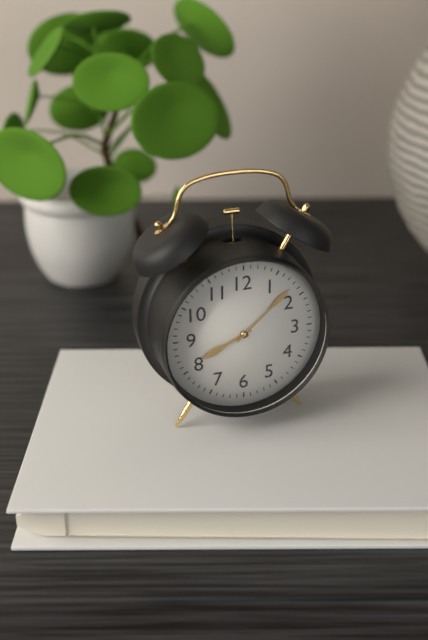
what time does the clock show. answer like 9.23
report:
8.08
